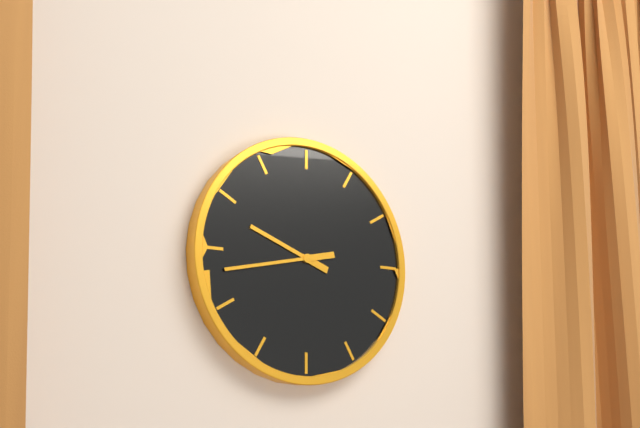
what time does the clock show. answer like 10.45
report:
9.43
